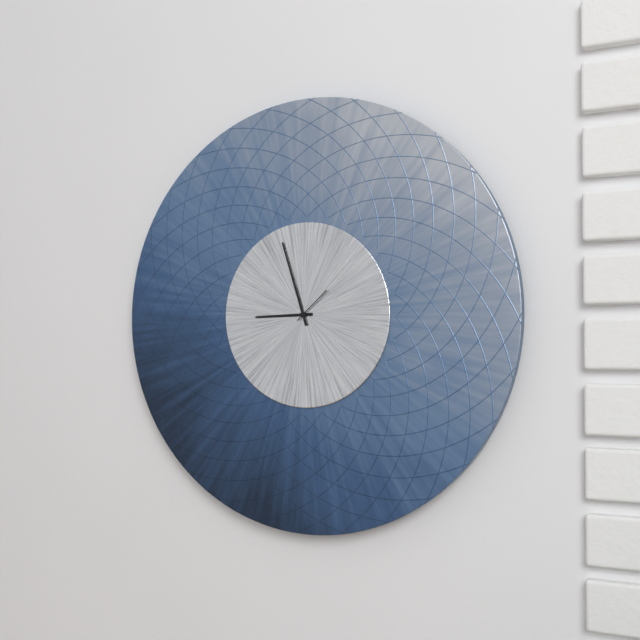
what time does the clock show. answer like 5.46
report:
8.57
